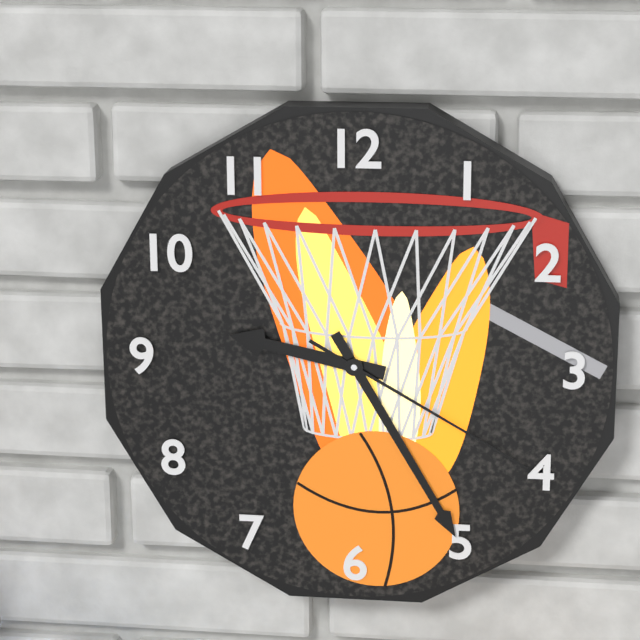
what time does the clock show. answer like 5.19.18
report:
9.25.20
